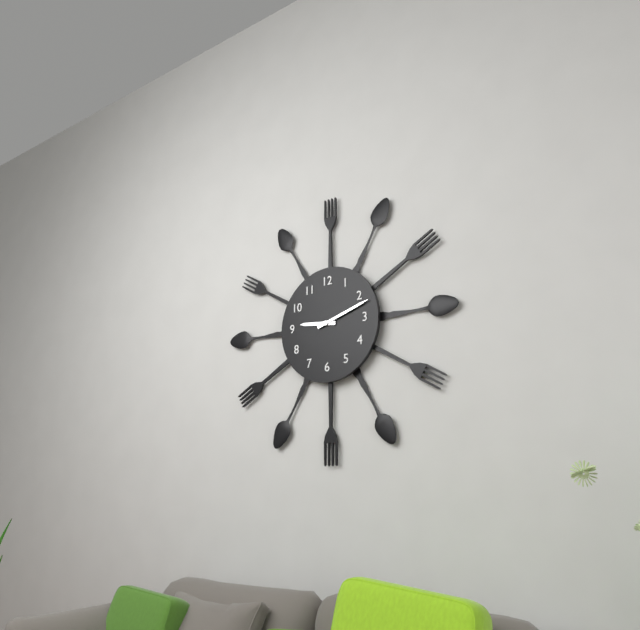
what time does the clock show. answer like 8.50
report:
9.12
